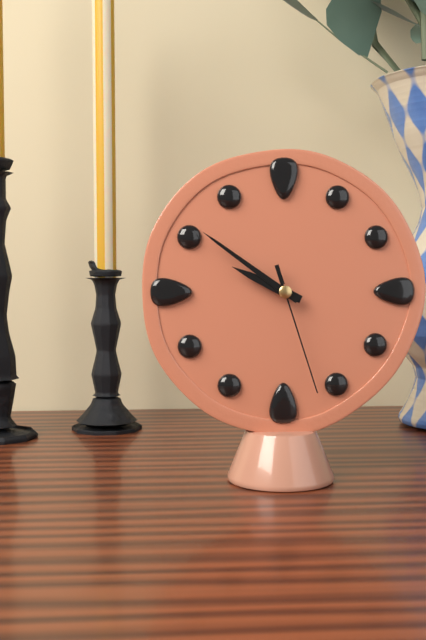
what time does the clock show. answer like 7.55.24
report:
9.51.27
